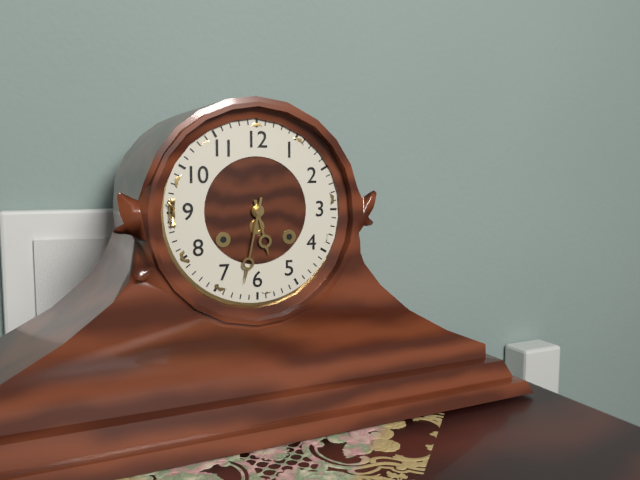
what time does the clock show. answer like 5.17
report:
5.32
